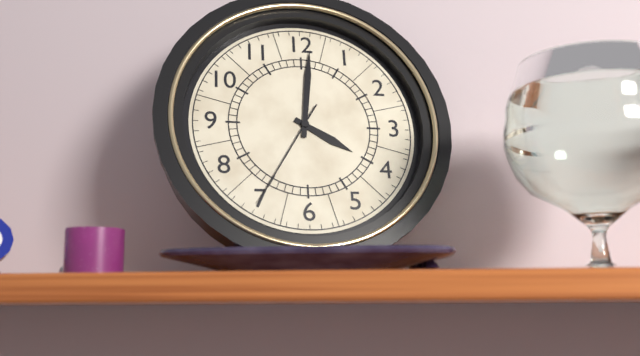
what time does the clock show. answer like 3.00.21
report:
4.01.35
